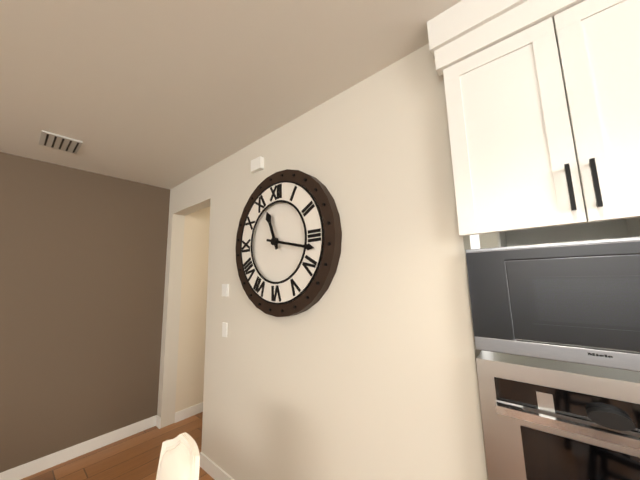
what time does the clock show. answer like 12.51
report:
11.17
